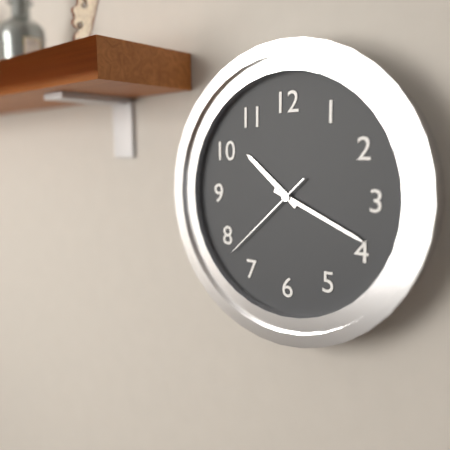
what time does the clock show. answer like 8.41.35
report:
10.19.38
